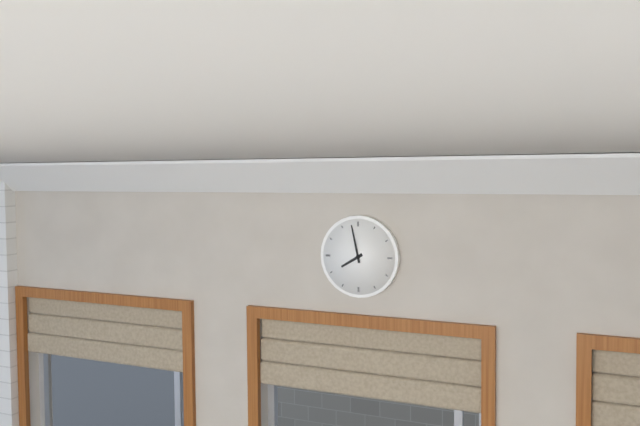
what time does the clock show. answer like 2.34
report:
7.58
